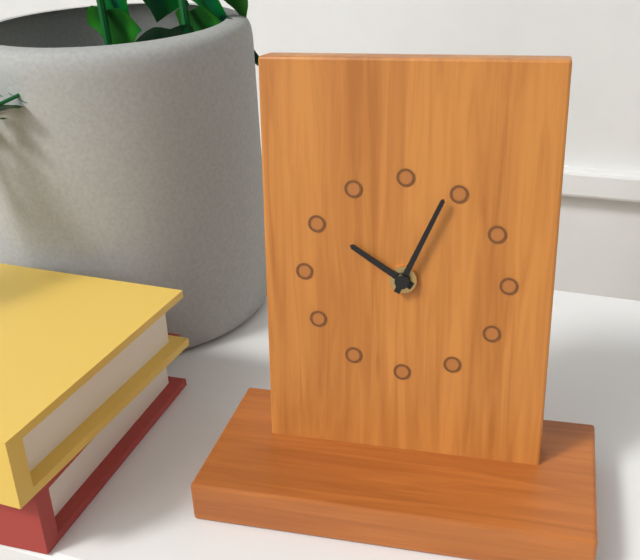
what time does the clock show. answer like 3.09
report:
10.04
